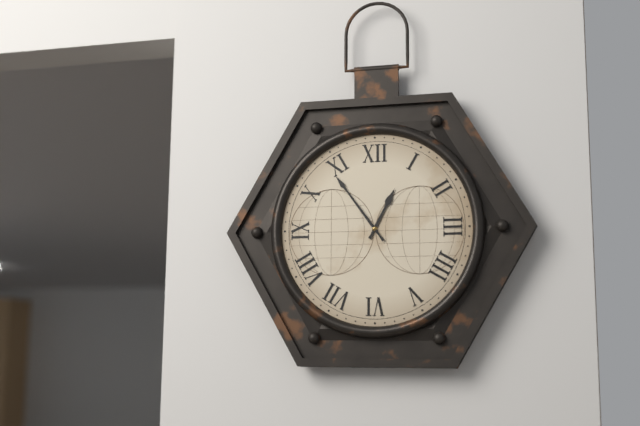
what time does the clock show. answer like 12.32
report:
12.54
